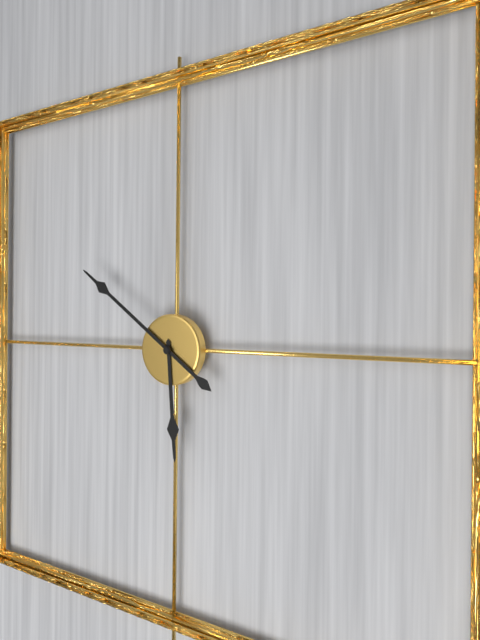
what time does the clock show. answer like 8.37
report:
5.51
